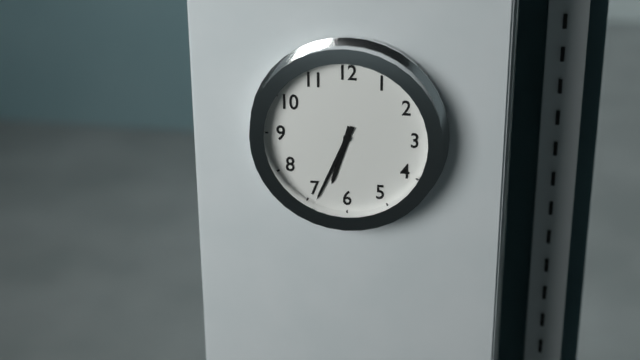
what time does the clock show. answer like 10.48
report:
6.34
